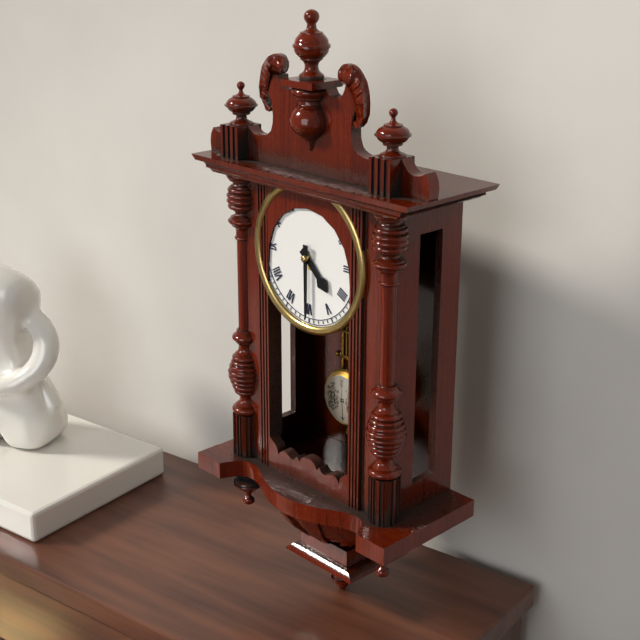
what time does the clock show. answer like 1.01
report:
4.30
